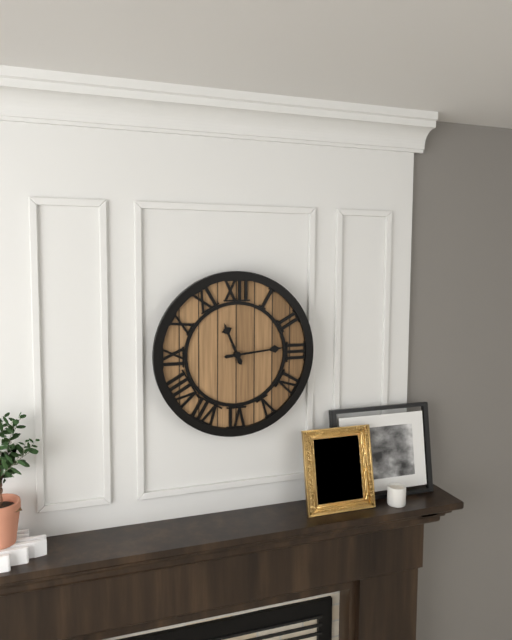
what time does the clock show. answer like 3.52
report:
11.14
